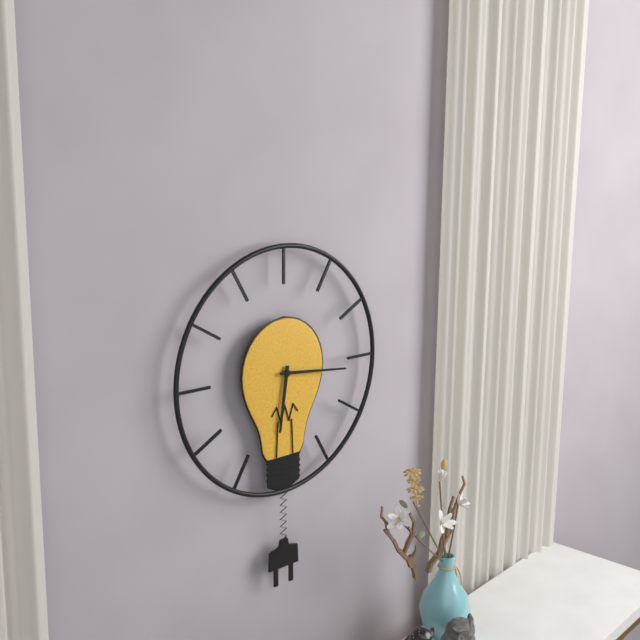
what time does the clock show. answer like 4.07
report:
6.16
